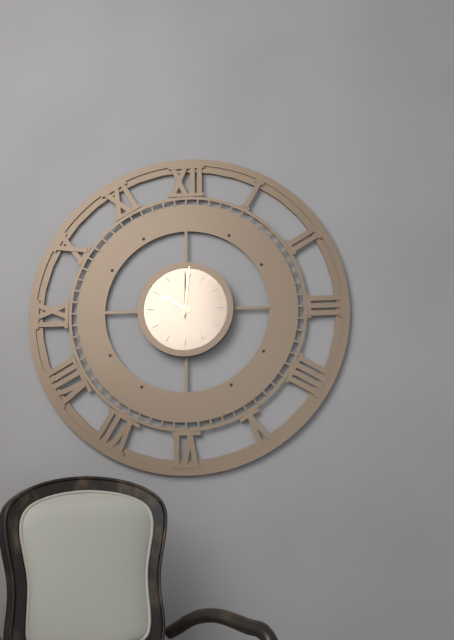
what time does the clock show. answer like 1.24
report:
10.01
